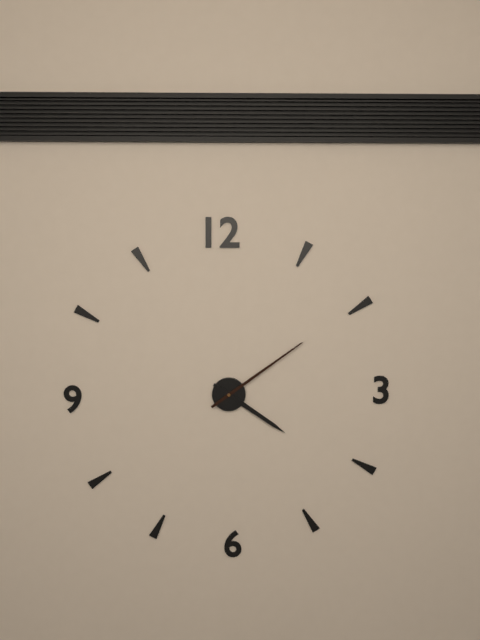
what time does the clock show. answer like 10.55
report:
4.09
